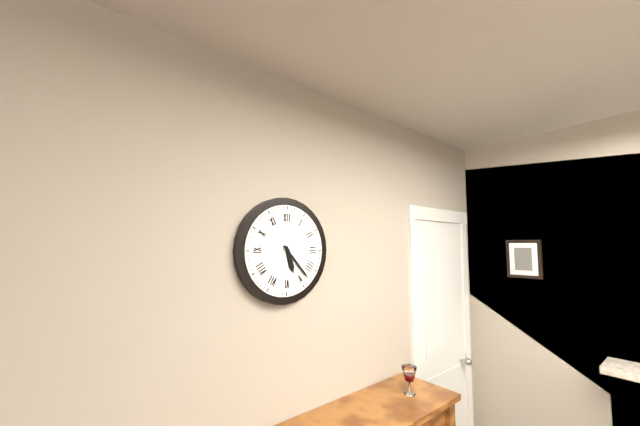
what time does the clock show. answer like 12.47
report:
5.23
